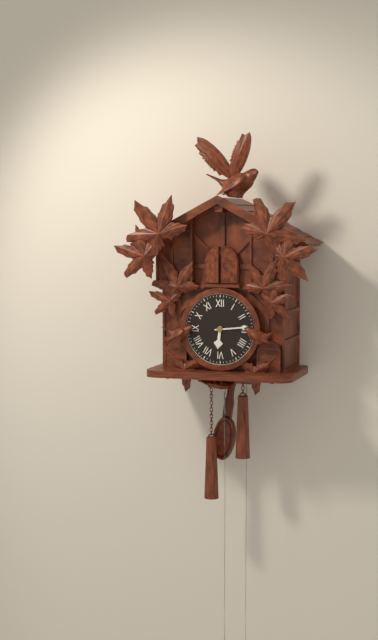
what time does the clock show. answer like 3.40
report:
6.14
